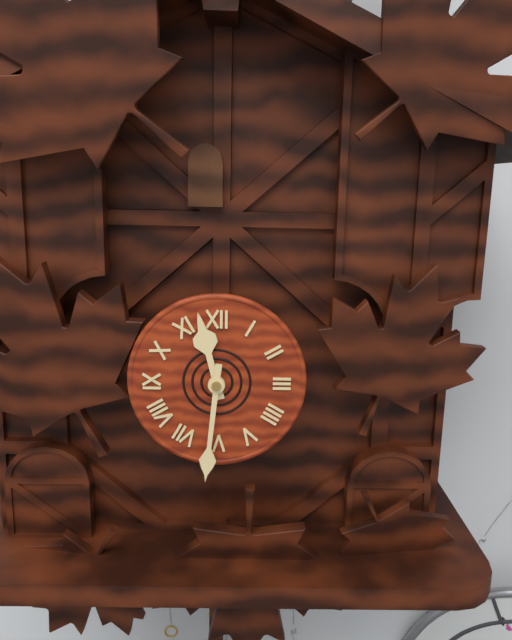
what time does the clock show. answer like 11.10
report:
11.31
